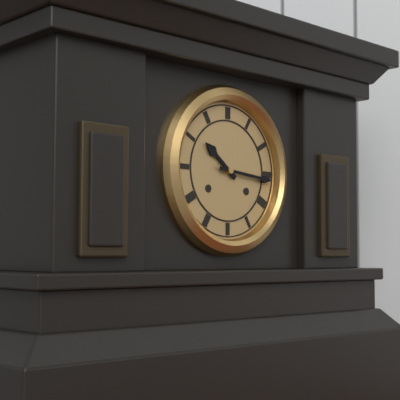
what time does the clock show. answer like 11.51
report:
10.16
